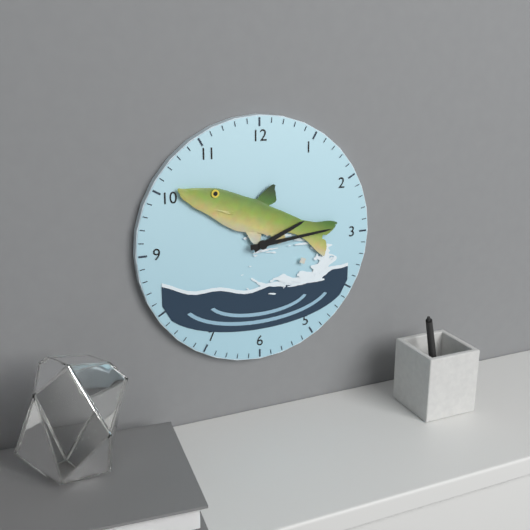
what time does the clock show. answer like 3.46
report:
2.14
